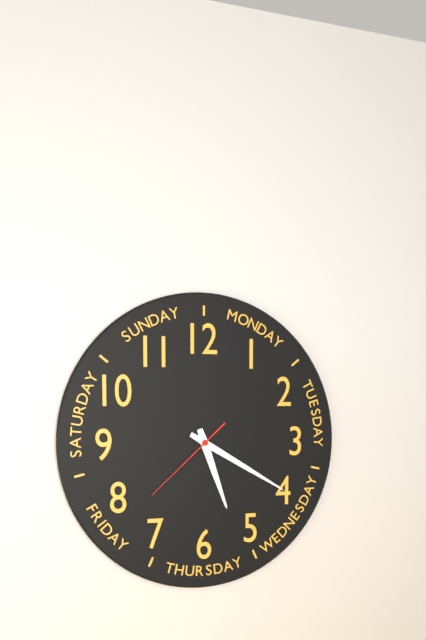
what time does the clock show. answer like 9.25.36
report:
5.20.38
